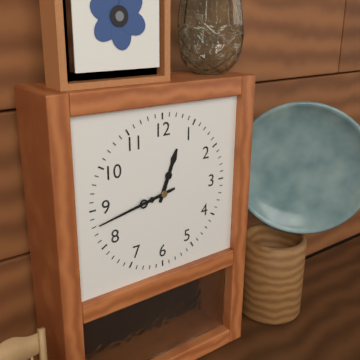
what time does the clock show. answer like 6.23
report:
12.43
